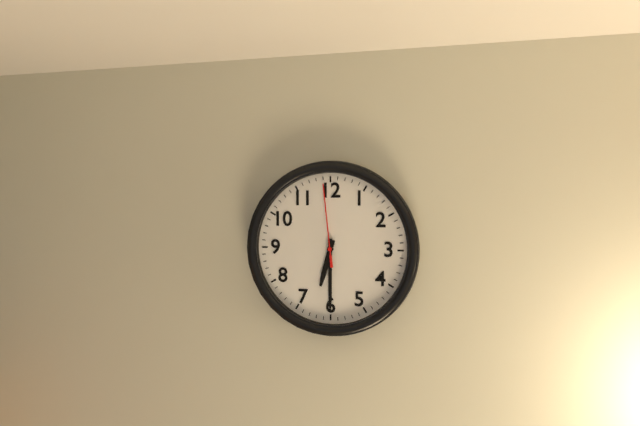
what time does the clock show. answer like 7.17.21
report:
6.30.59
